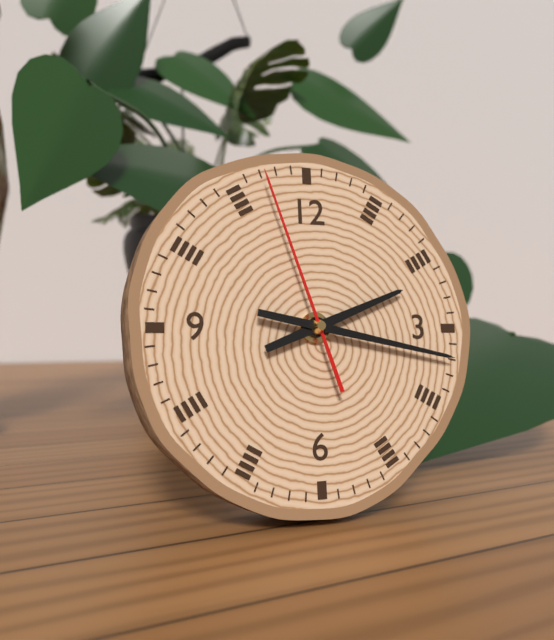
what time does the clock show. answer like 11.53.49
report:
2.17.57
